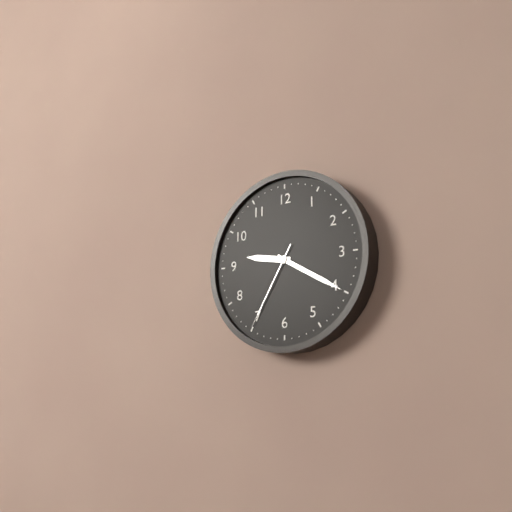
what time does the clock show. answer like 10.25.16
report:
9.20.35
